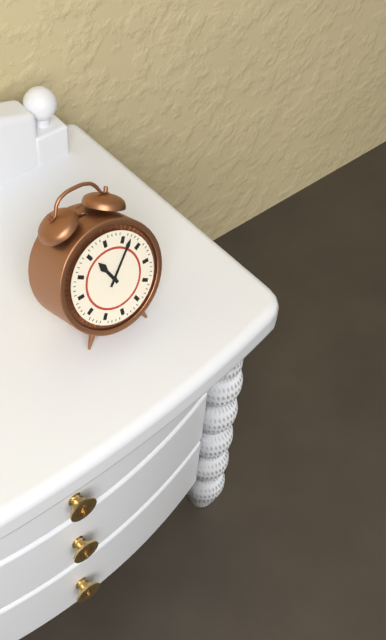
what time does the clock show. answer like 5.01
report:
11.07
